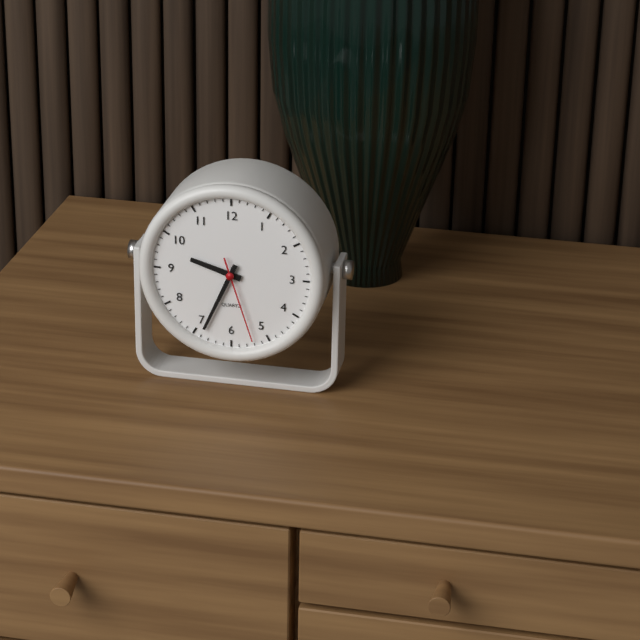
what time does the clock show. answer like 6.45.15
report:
9.34.27
